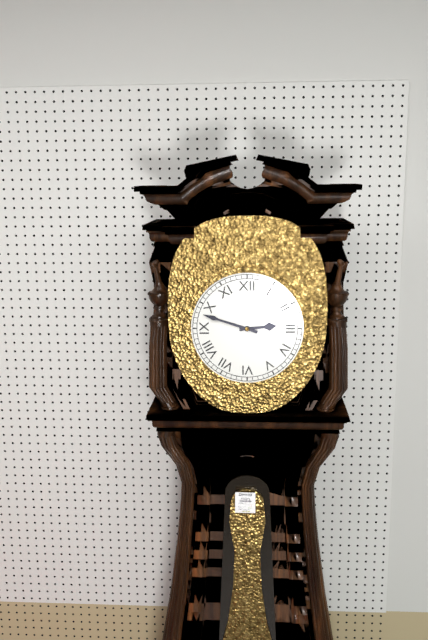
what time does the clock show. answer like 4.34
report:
2.48
